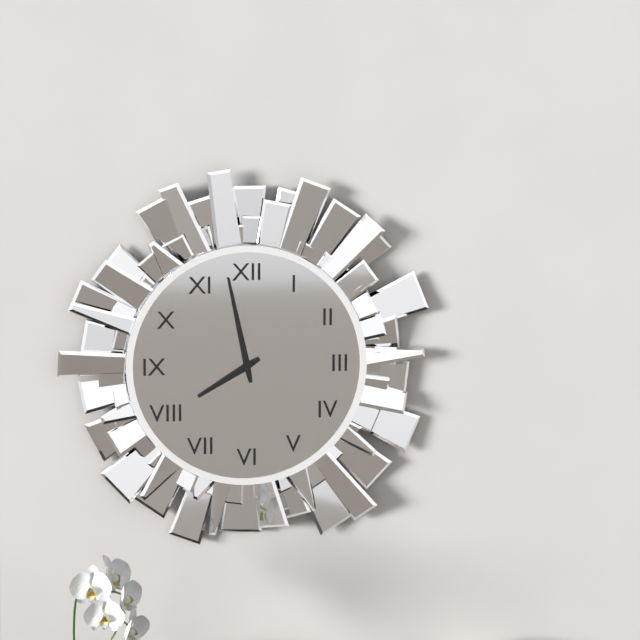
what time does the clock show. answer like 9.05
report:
7.58
